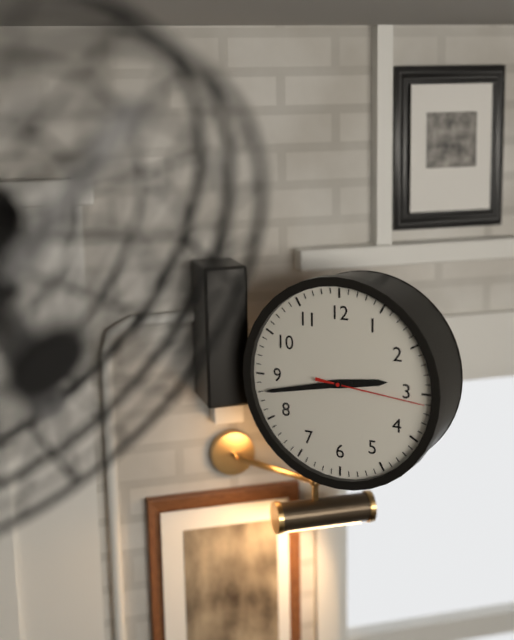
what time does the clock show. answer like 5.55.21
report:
2.43.16
